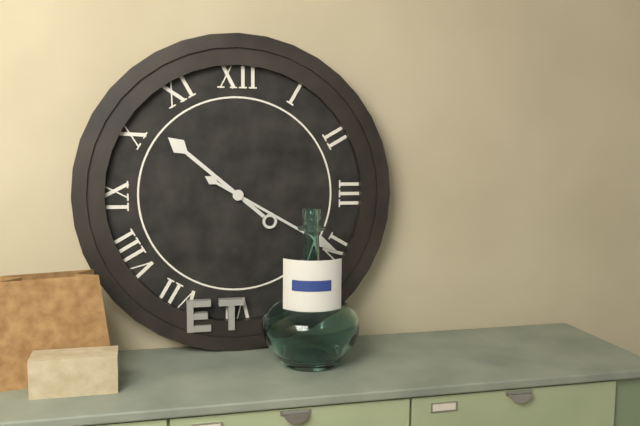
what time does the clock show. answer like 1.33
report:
10.20
